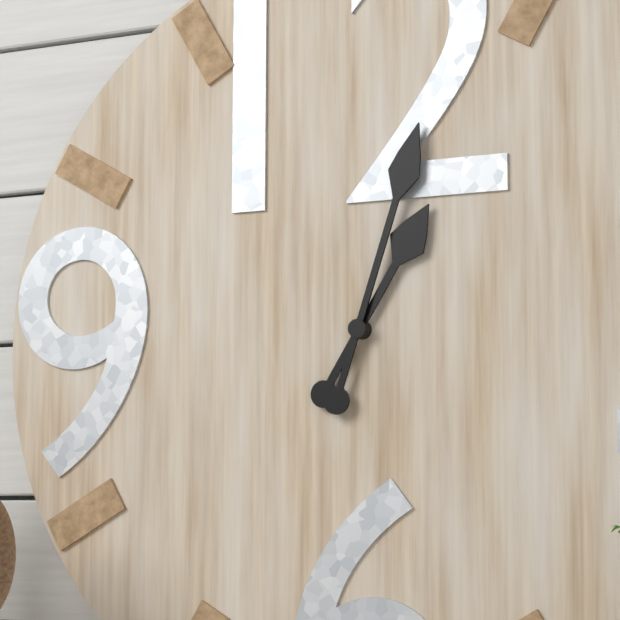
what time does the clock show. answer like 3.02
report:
1.03
